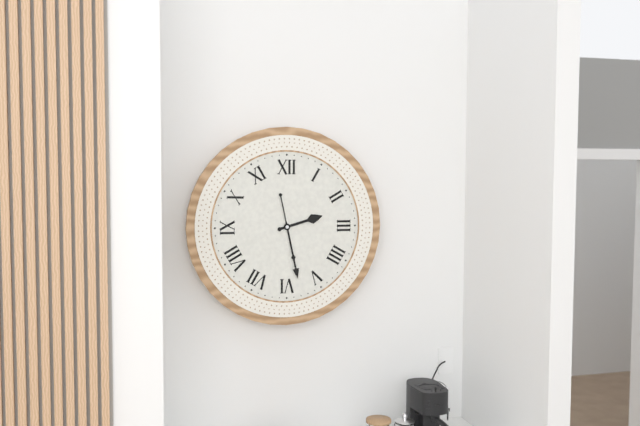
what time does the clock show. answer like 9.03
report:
2.28
